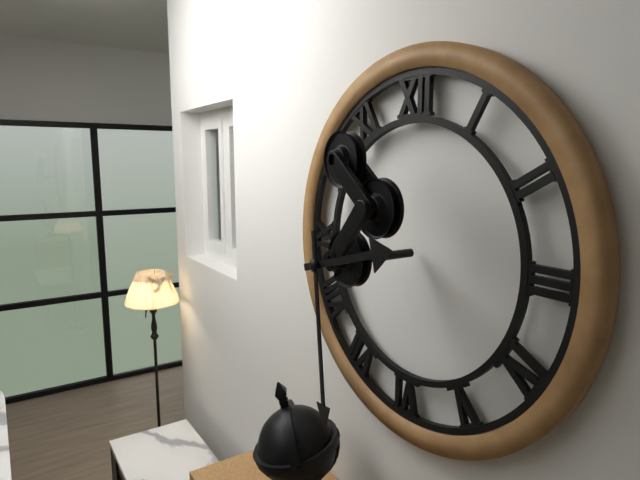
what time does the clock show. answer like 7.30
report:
2.29
